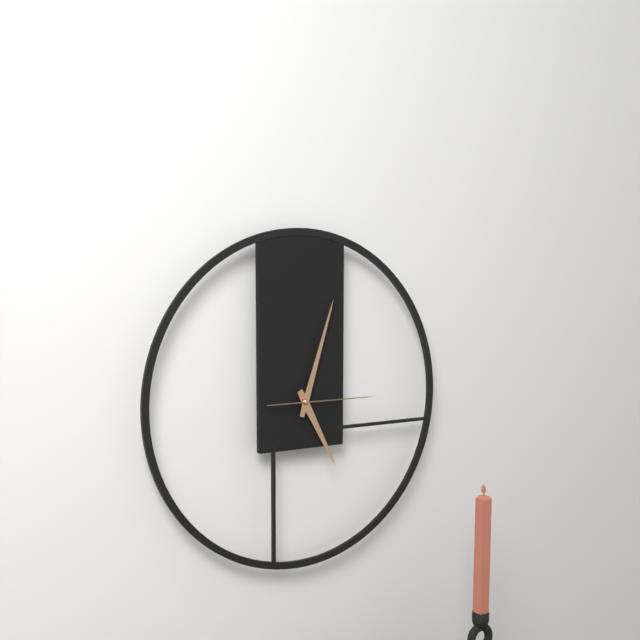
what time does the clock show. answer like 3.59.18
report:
5.03.15
